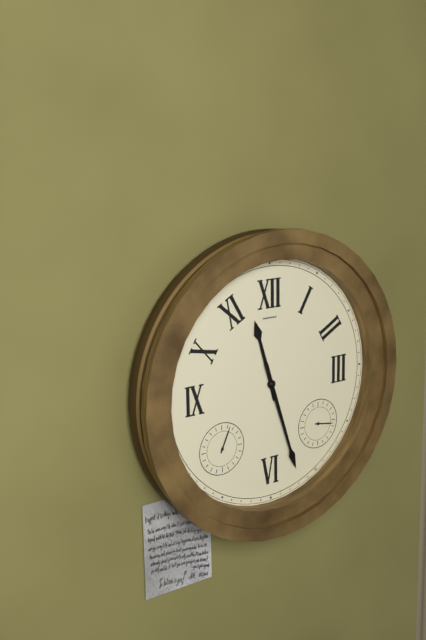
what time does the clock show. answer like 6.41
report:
11.27
